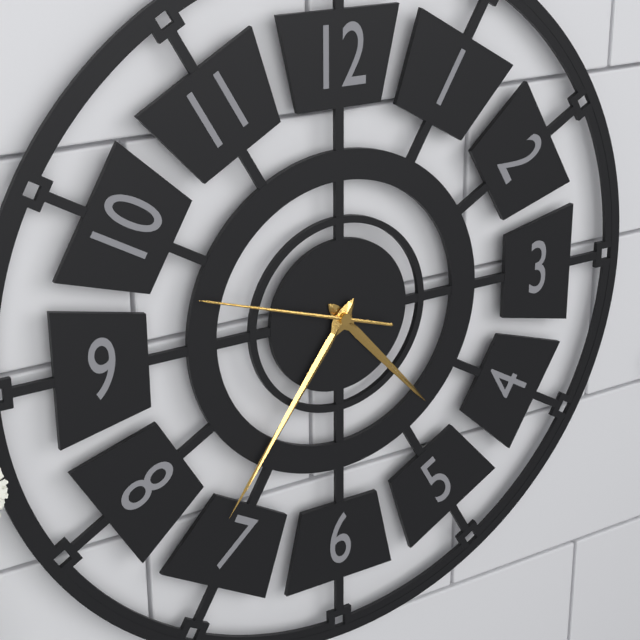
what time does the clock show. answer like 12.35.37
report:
4.36.48
